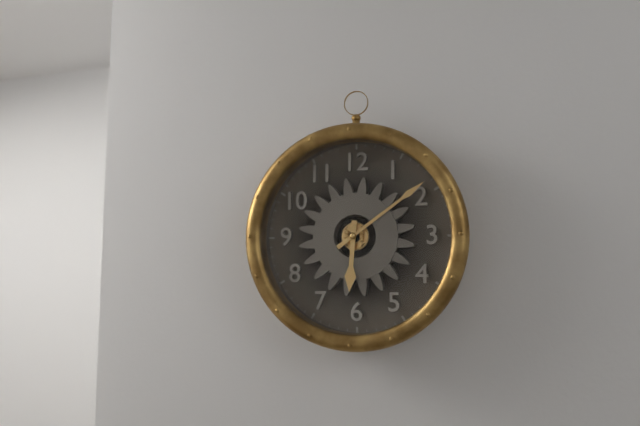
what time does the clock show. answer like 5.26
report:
6.09
